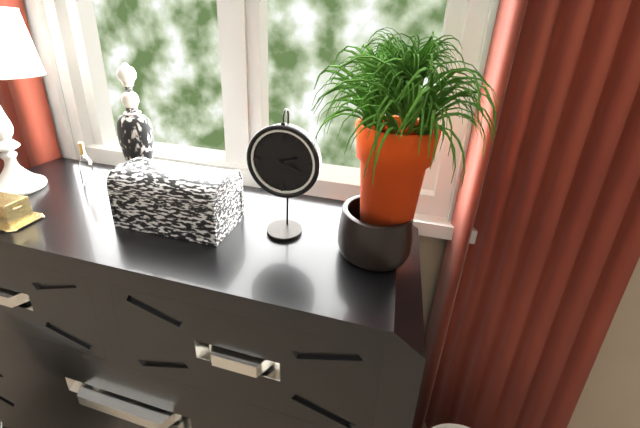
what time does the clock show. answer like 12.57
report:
2.19
